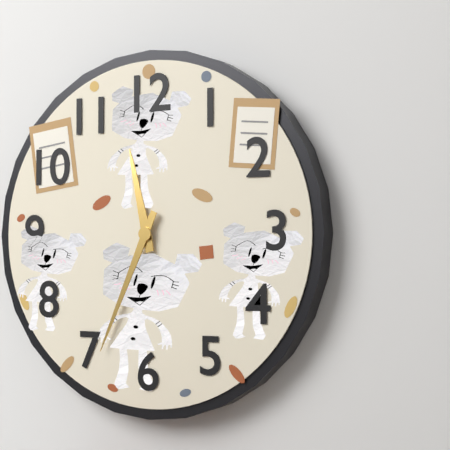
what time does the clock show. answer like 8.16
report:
11.34
